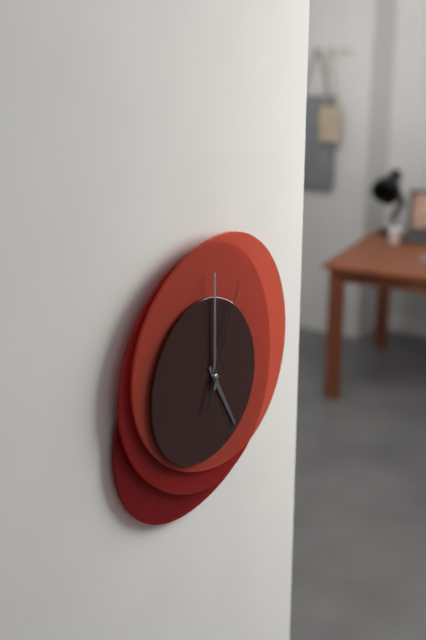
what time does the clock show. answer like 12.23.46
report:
5.00.04
